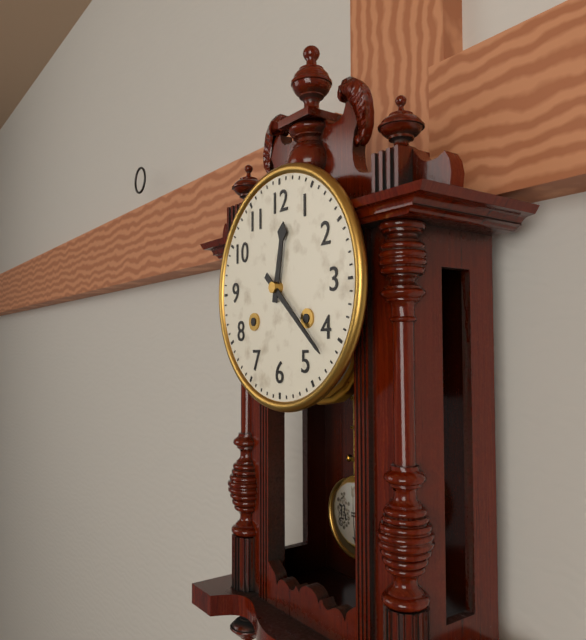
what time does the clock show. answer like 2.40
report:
12.22
